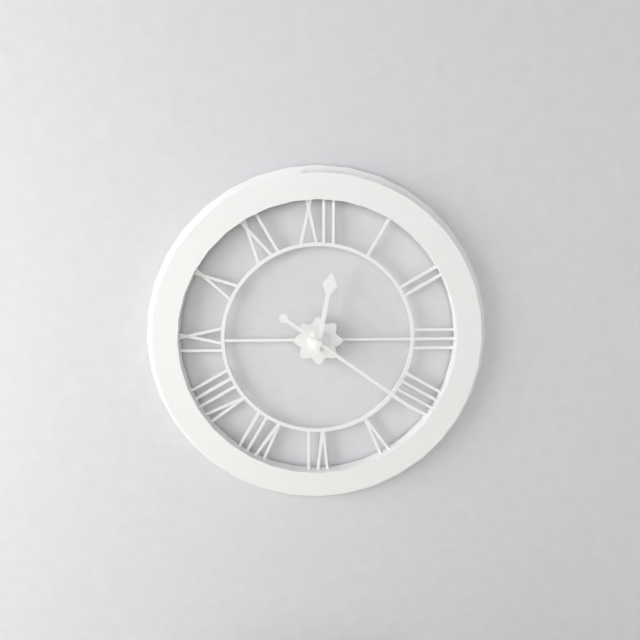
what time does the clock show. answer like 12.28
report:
12.21
